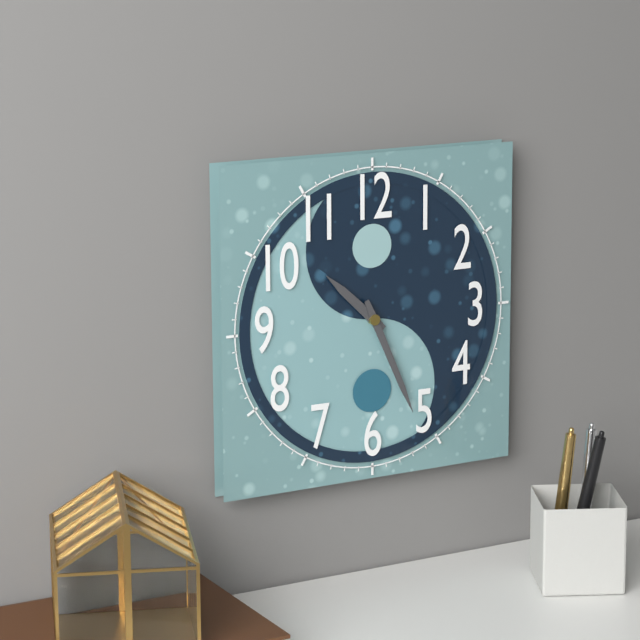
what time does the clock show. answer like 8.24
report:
10.26
